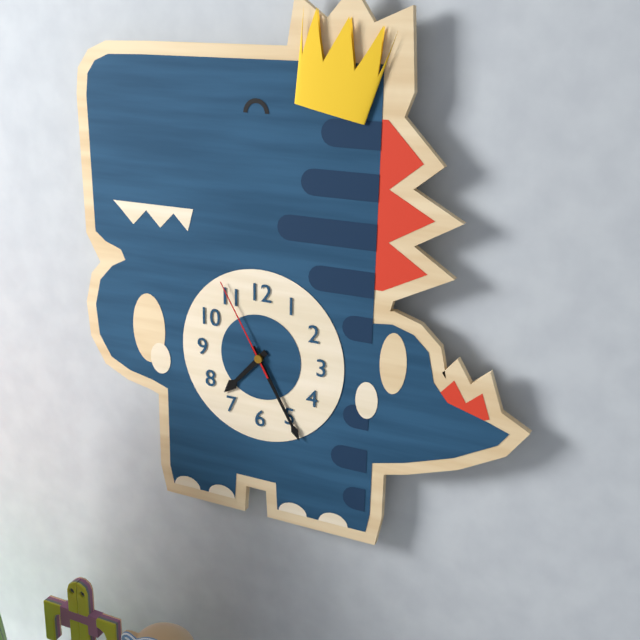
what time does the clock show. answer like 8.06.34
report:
7.25.55
